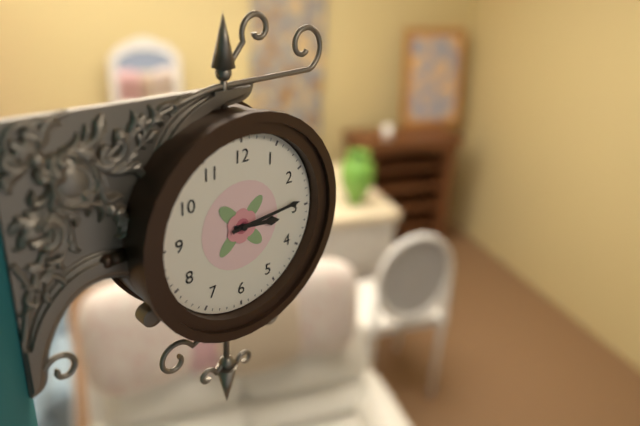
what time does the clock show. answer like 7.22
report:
3.14
